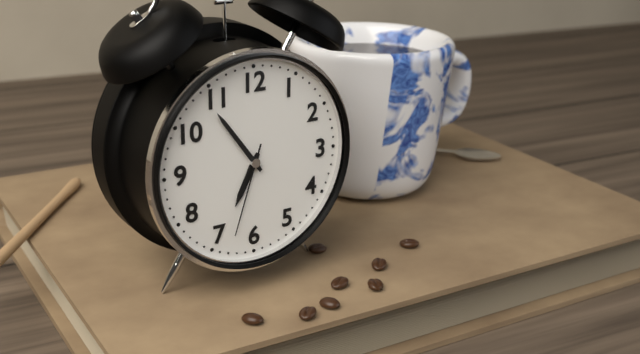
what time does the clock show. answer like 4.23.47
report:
6.54.33
